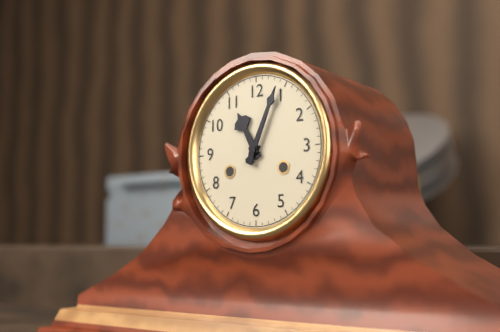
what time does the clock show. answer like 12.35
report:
11.04
